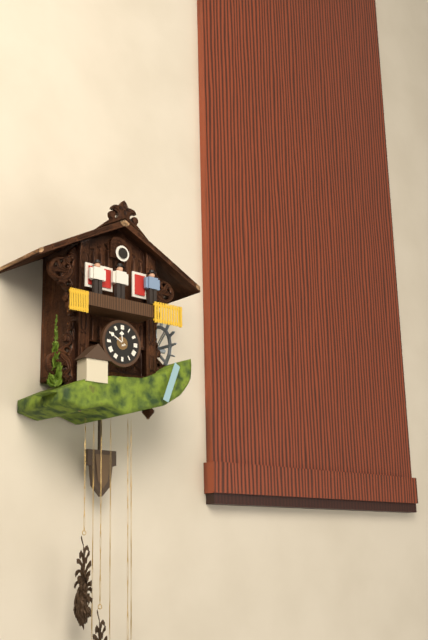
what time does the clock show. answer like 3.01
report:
11.50
